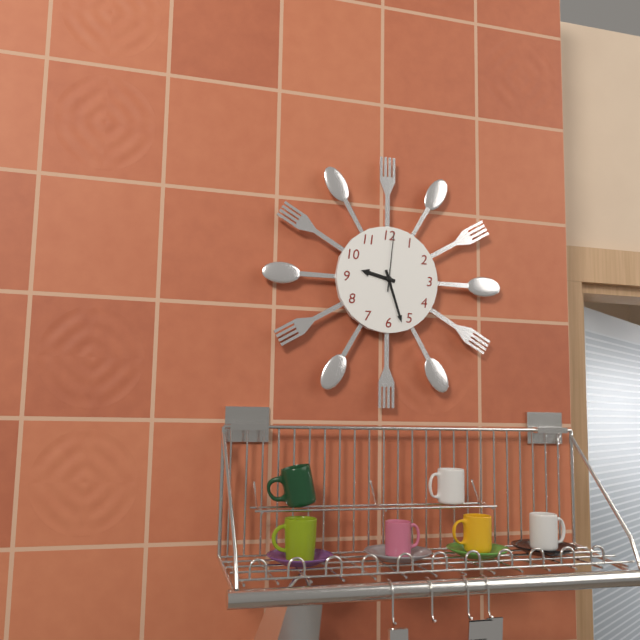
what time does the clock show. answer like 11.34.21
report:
9.27.01
